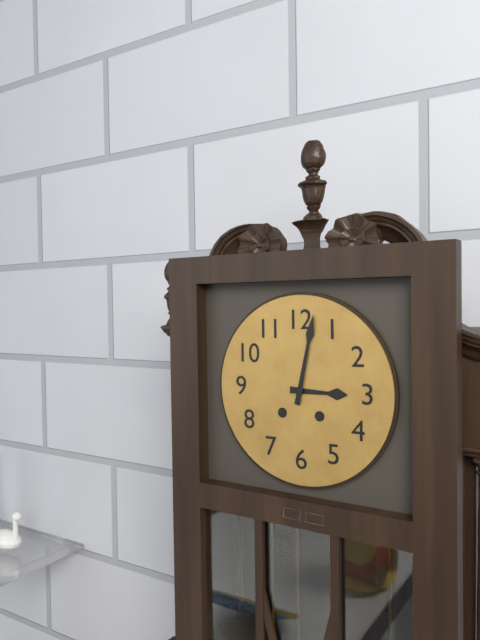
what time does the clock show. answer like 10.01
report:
3.02
